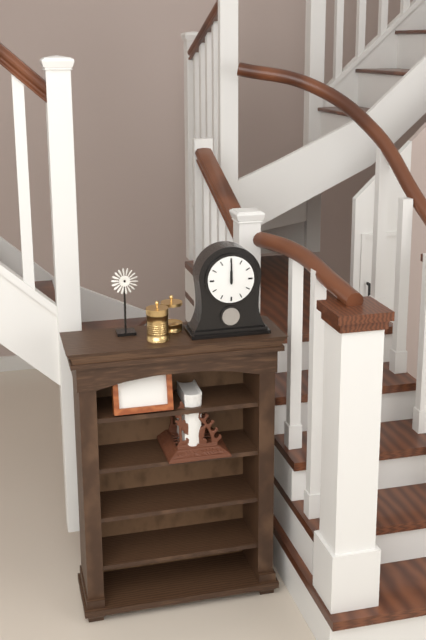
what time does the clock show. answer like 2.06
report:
12.00
